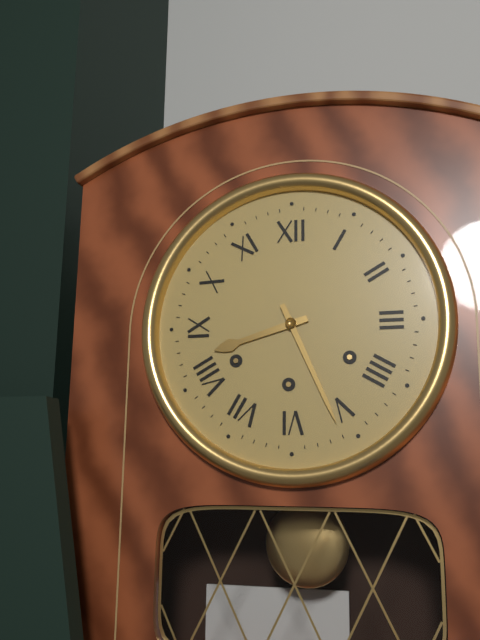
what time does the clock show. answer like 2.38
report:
8.26
